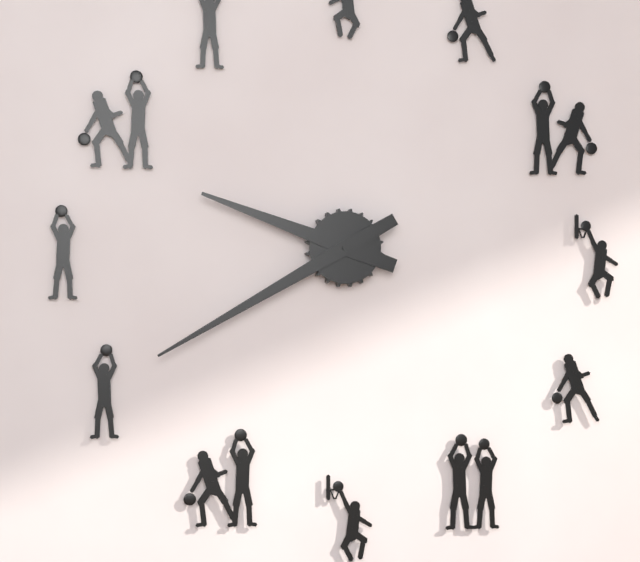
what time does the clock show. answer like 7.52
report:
9.40
